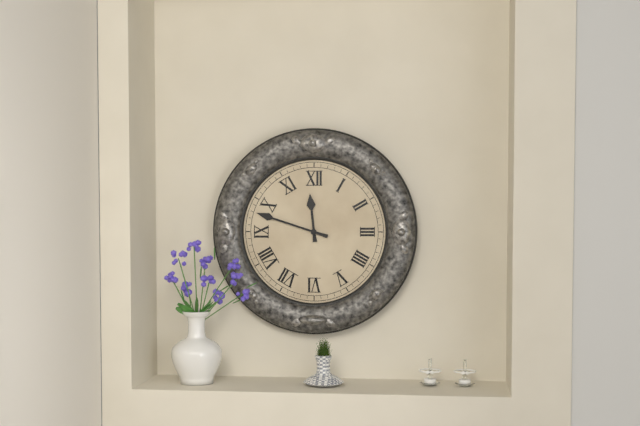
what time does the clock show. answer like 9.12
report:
11.48
